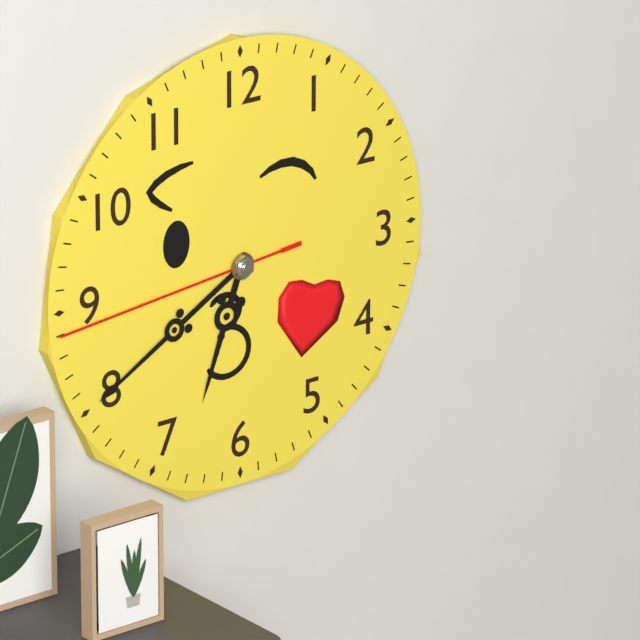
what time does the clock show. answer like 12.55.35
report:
6.40.44
